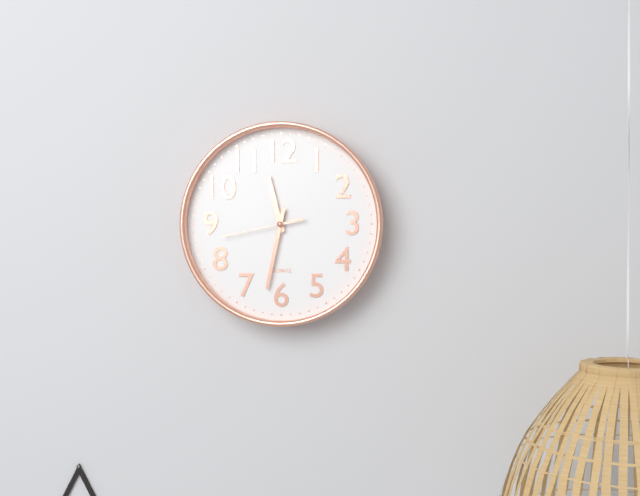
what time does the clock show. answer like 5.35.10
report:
11.32.43
